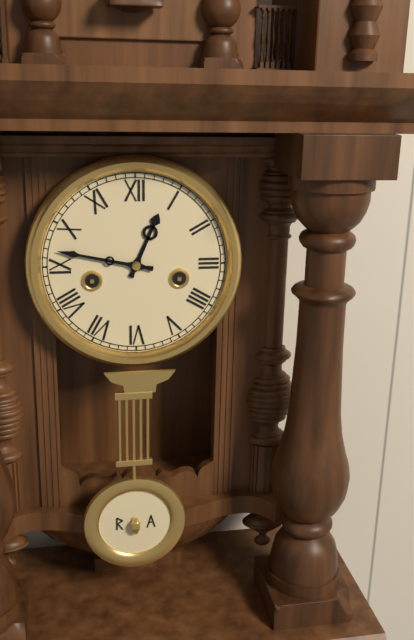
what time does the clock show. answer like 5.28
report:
12.47
